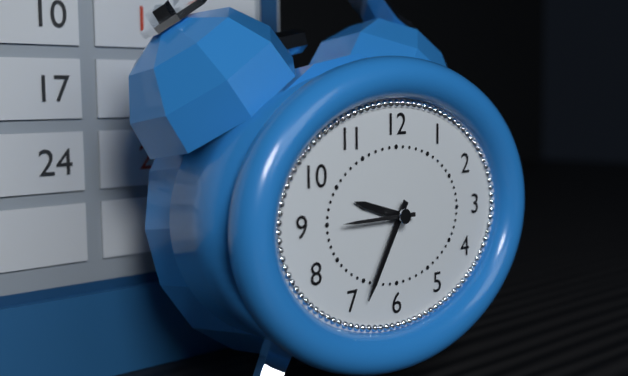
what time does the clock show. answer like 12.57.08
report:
9.35.45
